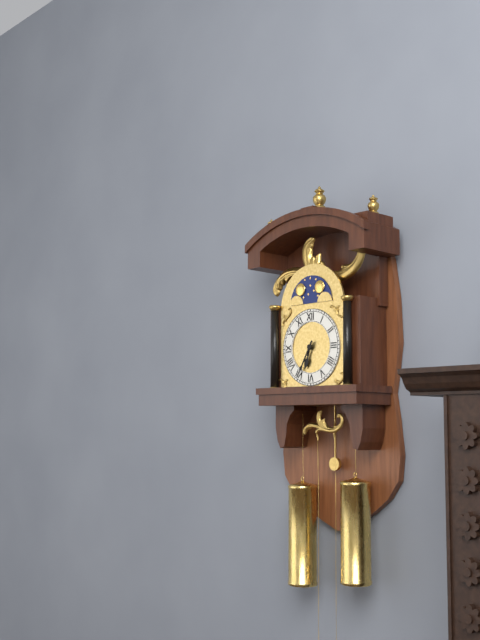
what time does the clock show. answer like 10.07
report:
6.35
